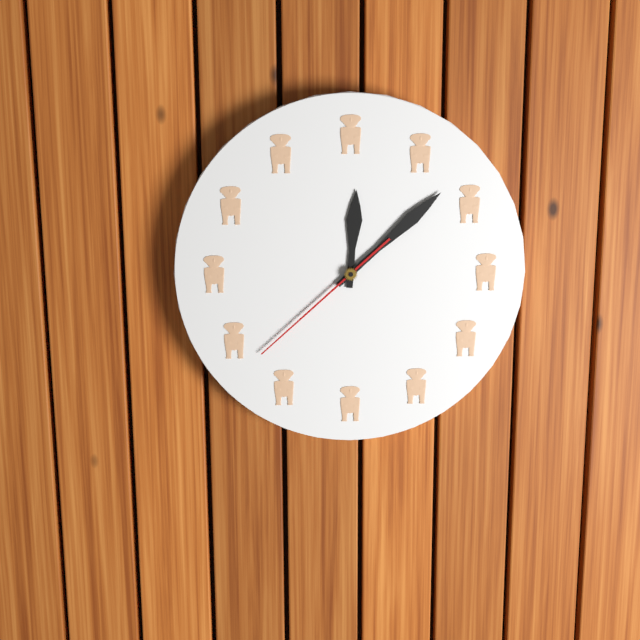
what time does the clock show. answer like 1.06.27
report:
12.08.38
